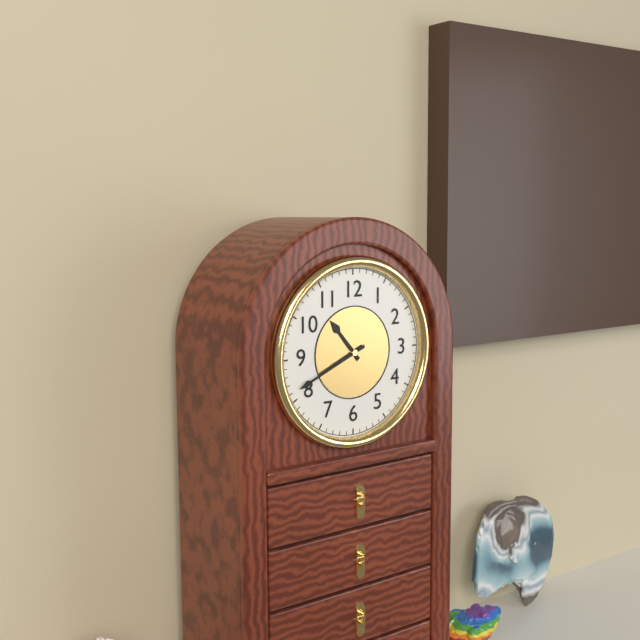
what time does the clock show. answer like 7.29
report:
10.41
